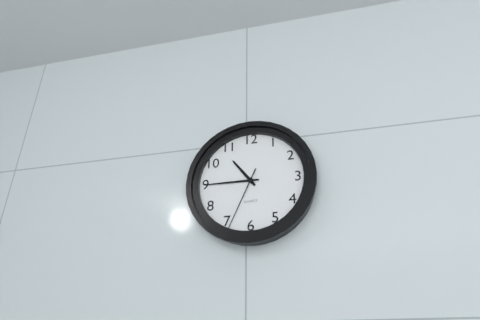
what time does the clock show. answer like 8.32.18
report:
10.45.34
